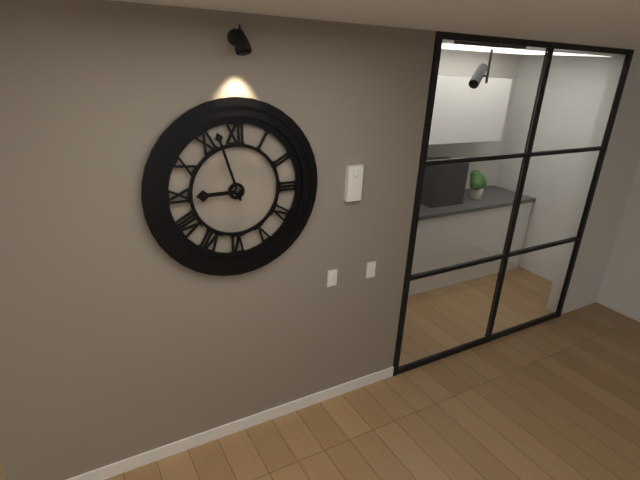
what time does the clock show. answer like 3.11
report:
8.57
